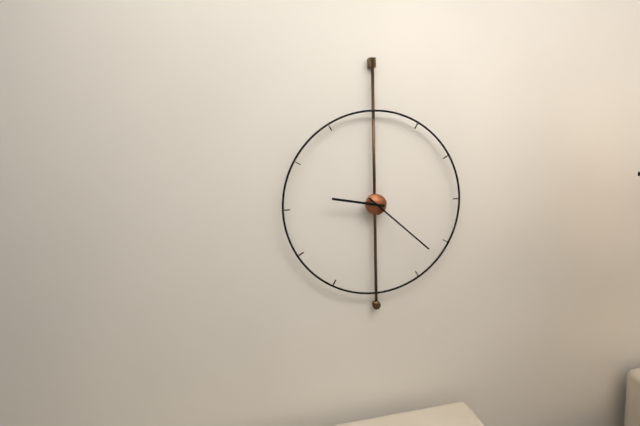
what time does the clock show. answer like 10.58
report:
9.22
